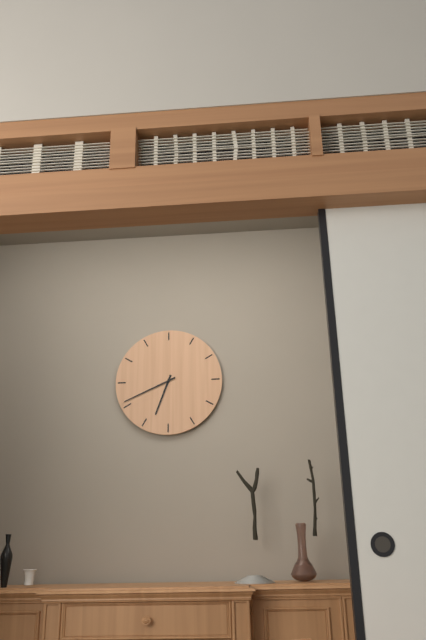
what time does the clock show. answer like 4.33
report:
6.41
